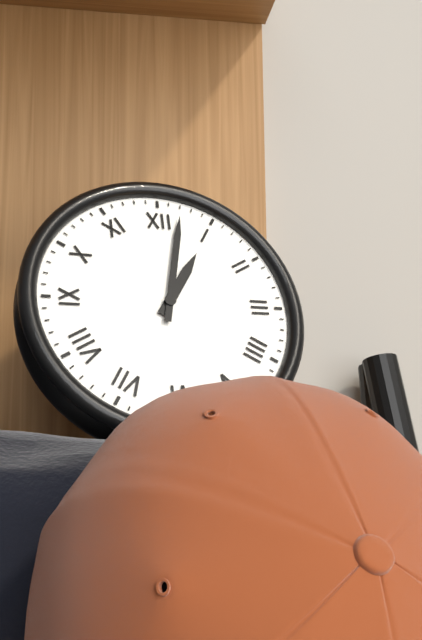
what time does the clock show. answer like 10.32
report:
1.02
